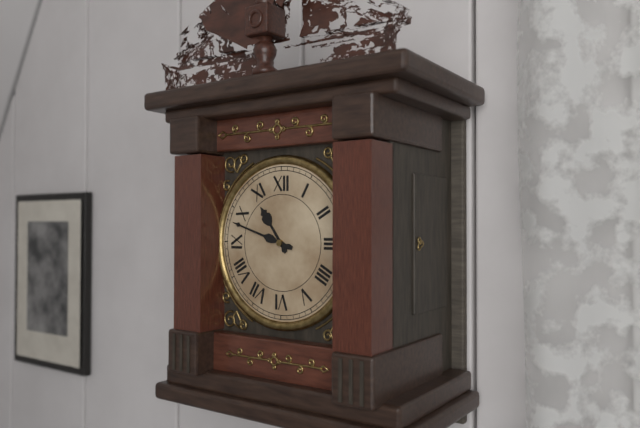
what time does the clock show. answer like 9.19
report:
10.48
